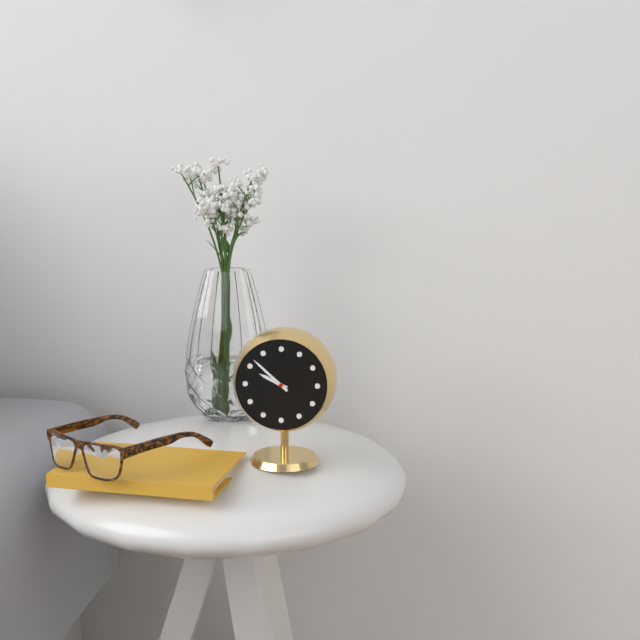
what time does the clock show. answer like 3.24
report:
9.52
